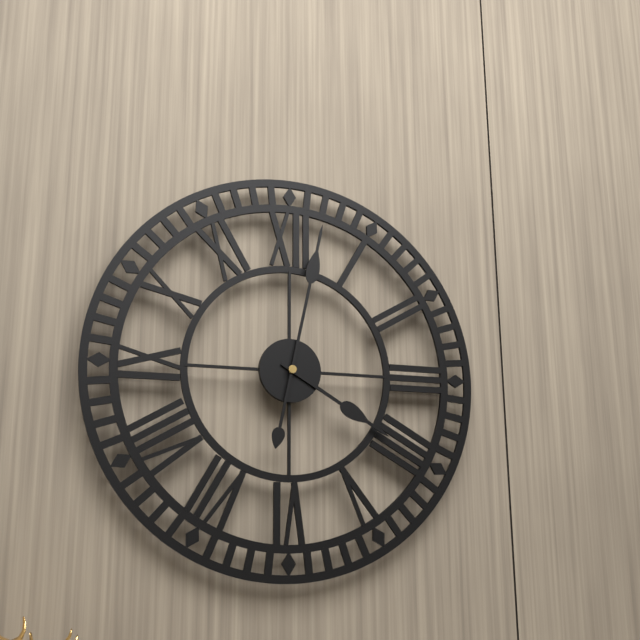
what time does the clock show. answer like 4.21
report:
4.02
